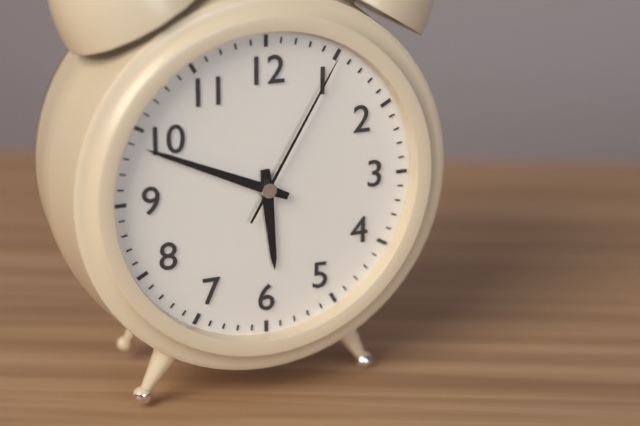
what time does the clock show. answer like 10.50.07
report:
5.49.05
